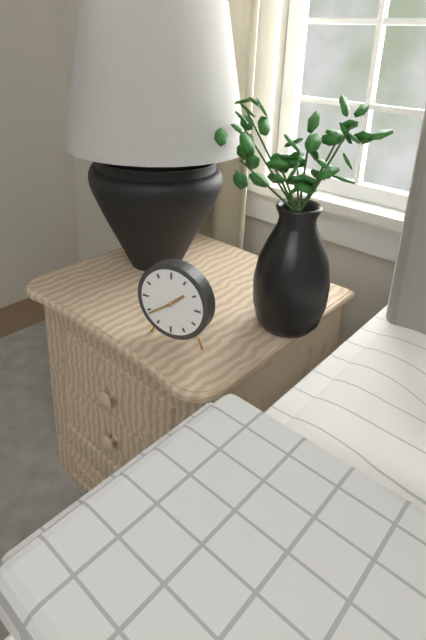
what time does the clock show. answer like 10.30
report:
1.39
